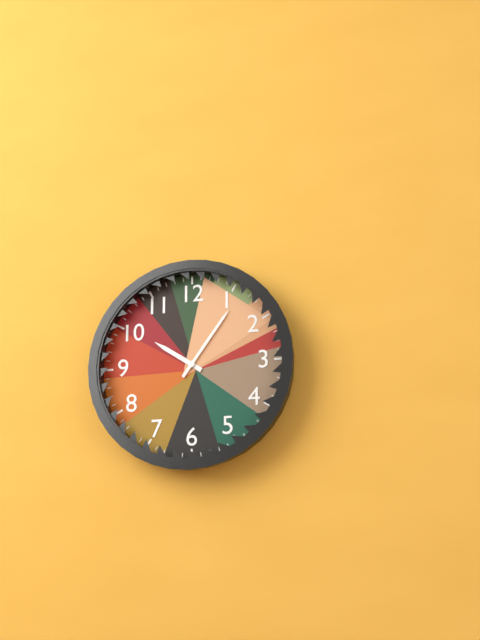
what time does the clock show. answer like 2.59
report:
10.06
